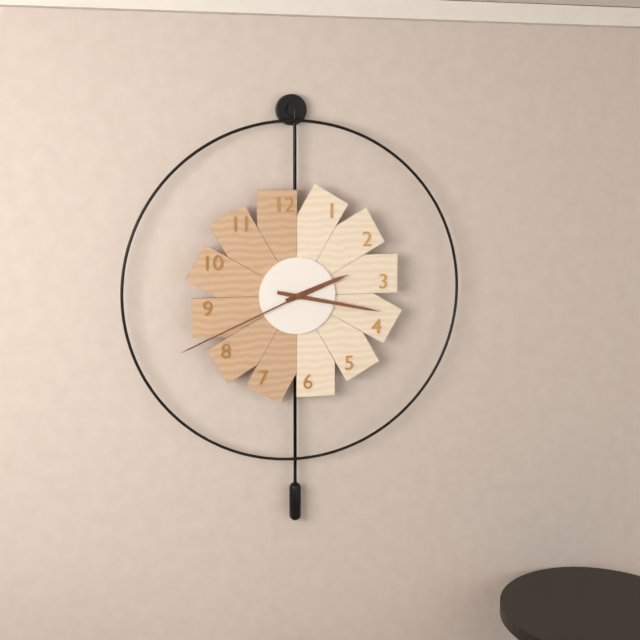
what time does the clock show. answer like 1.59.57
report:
2.17.41
